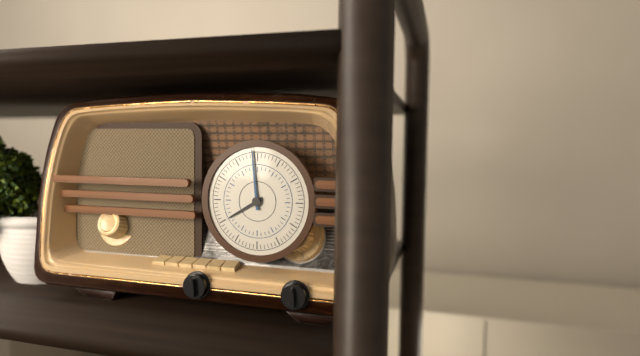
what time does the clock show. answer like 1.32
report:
7.59
